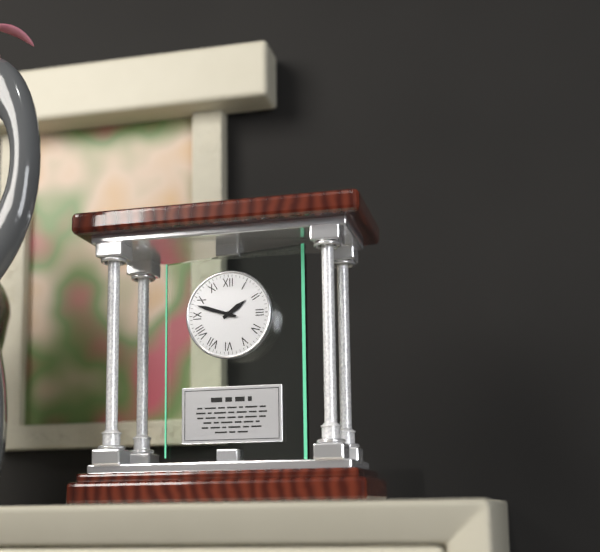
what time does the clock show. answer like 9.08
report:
1.48
